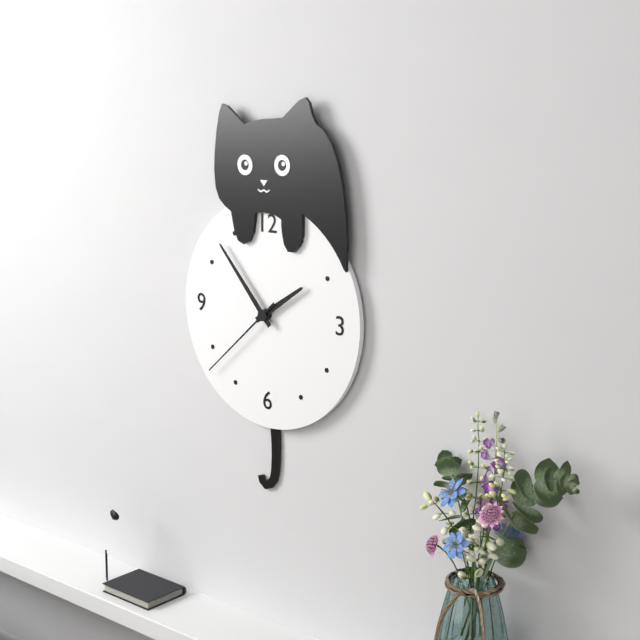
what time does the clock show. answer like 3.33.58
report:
1.53.38
